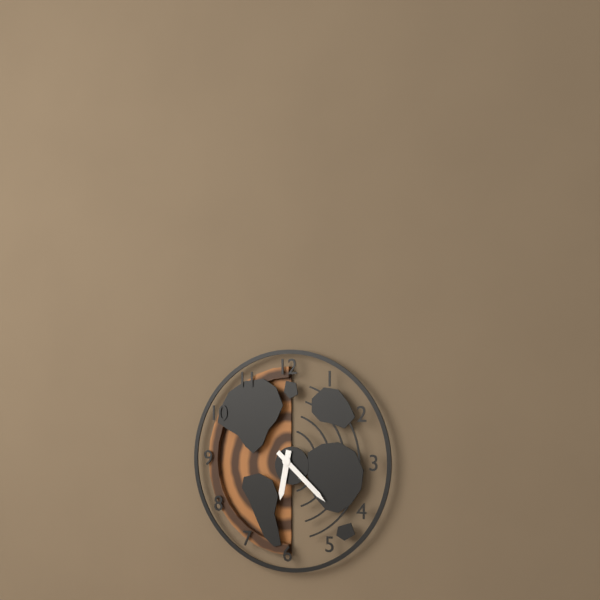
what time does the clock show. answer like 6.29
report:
6.22
